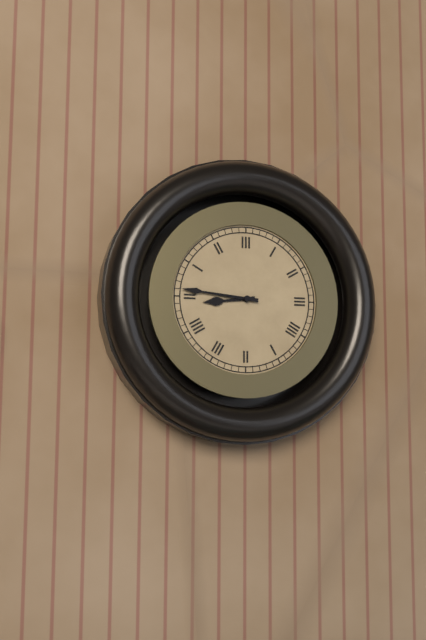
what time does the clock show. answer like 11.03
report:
8.46
